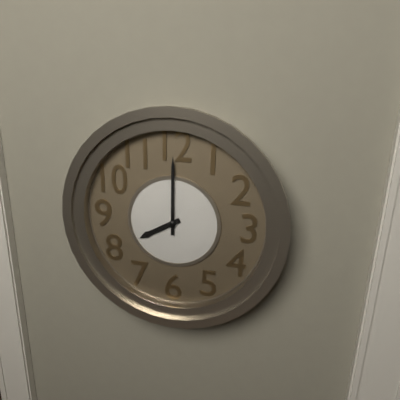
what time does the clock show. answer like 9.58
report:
8.00
